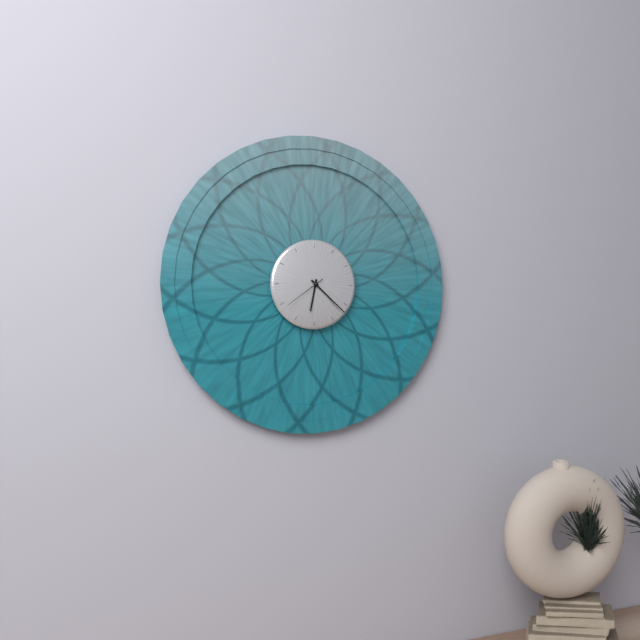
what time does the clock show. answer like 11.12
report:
6.22
